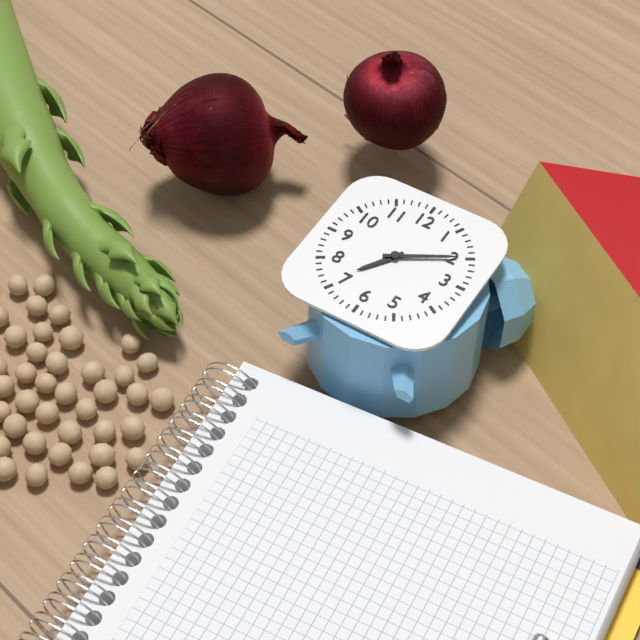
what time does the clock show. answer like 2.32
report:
7.10
